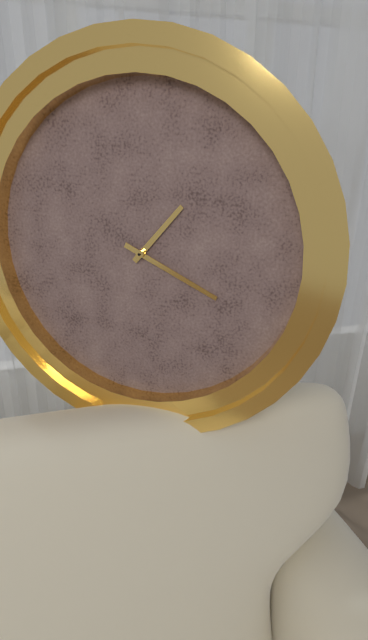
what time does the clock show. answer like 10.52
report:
1.19
